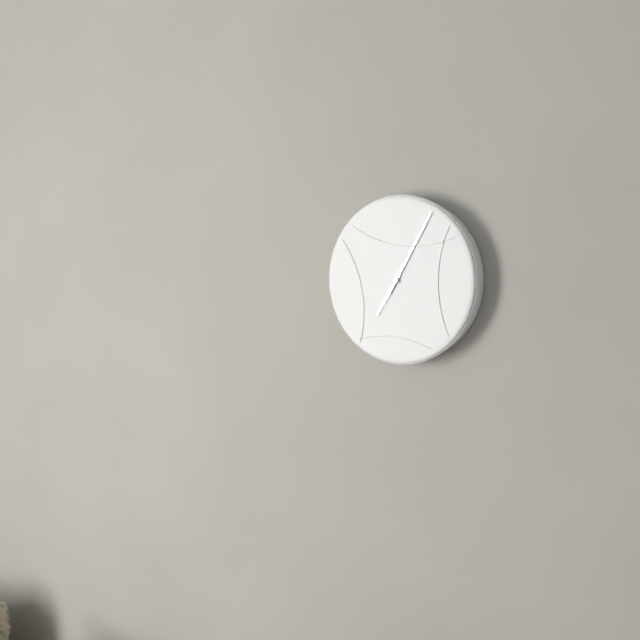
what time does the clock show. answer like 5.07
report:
7.05
